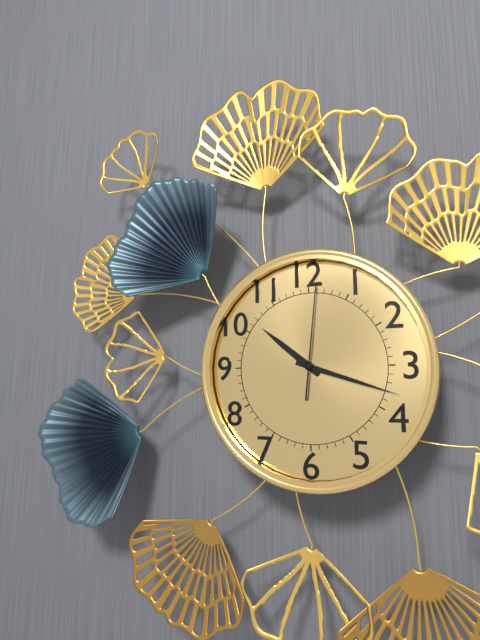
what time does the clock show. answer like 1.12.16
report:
10.18.01
